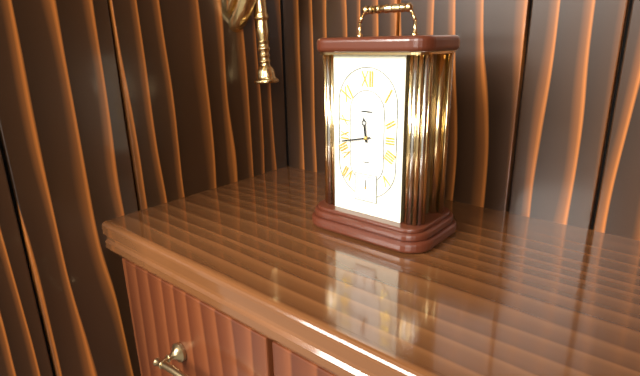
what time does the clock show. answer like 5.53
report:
11.43
